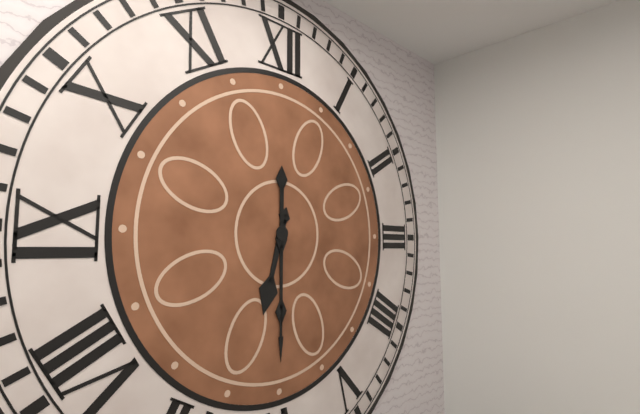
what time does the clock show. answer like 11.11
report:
6.30
